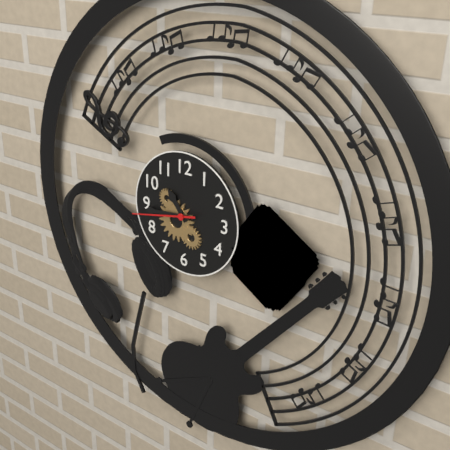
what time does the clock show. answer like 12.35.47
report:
10.44.43
